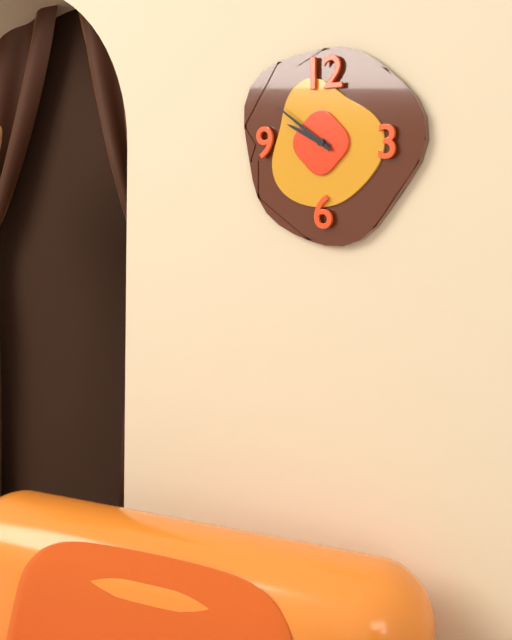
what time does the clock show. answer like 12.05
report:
9.51
